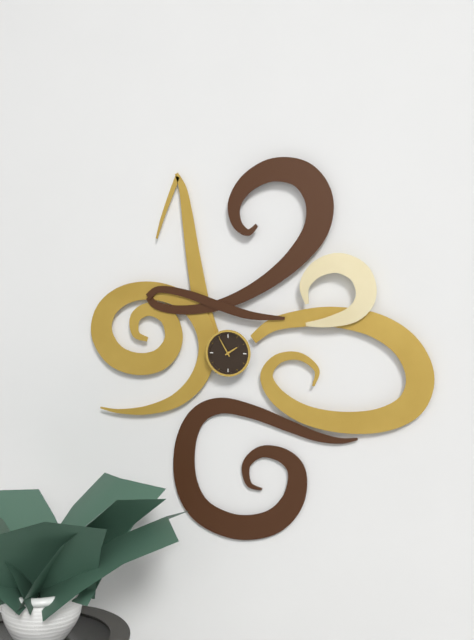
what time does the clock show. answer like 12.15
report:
1.55
